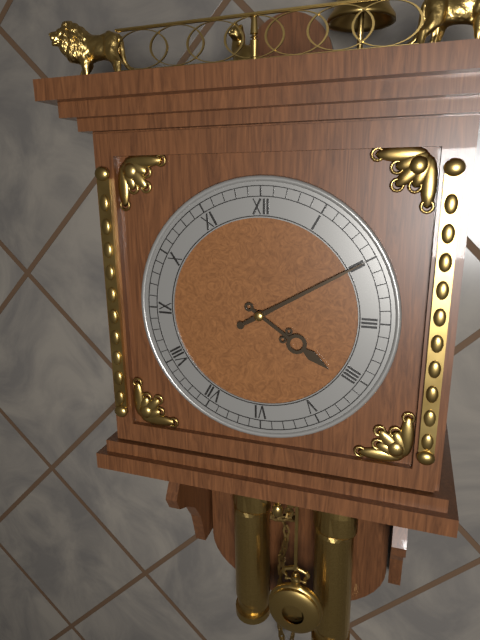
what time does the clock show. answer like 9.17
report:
4.10
